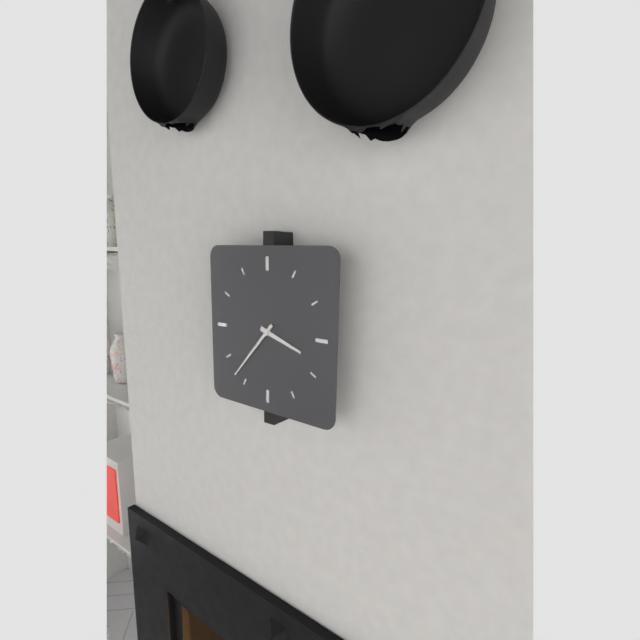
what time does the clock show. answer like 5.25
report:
3.37
